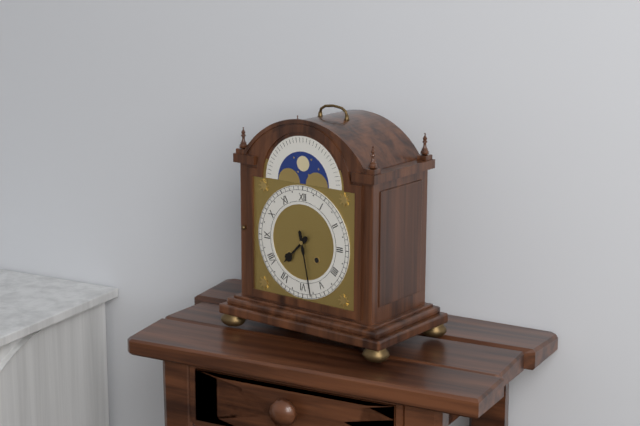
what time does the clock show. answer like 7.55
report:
7.28
